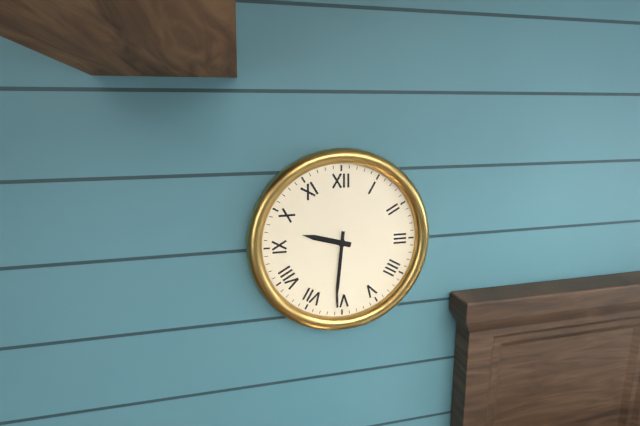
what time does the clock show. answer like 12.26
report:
9.31
